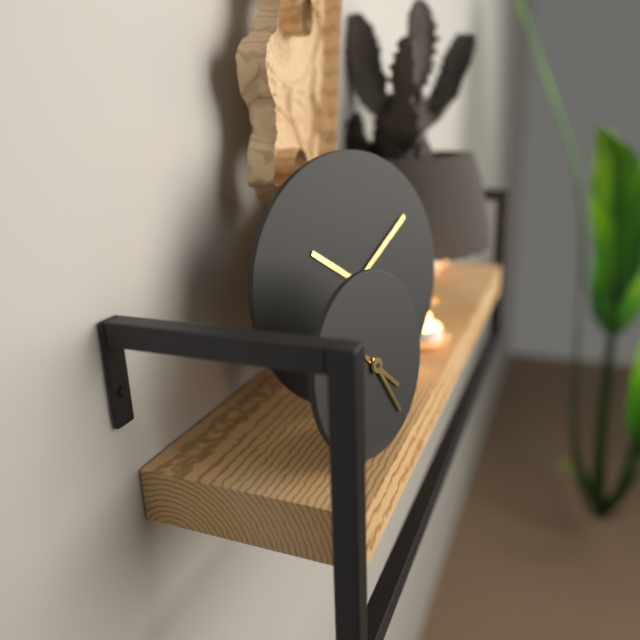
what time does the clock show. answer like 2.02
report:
4.25
